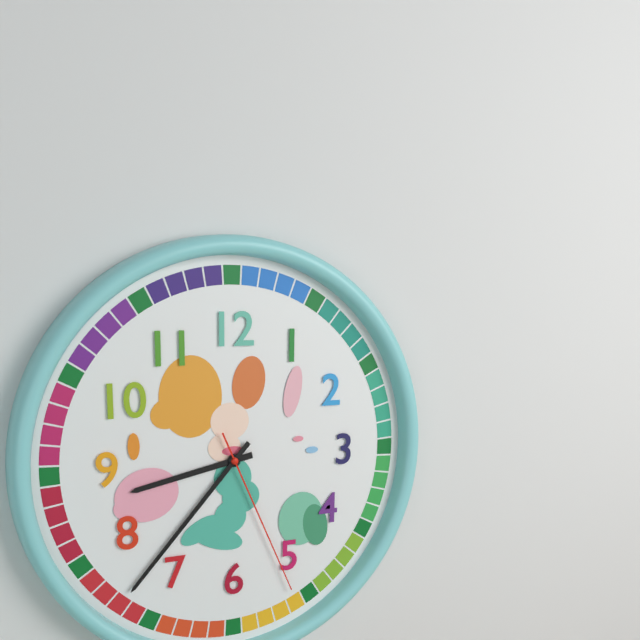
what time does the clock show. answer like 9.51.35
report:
8.37.26
